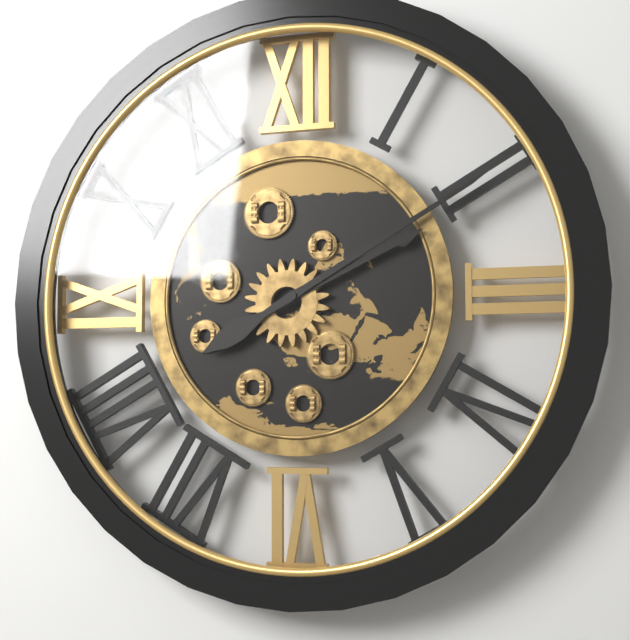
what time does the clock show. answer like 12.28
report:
2.10
